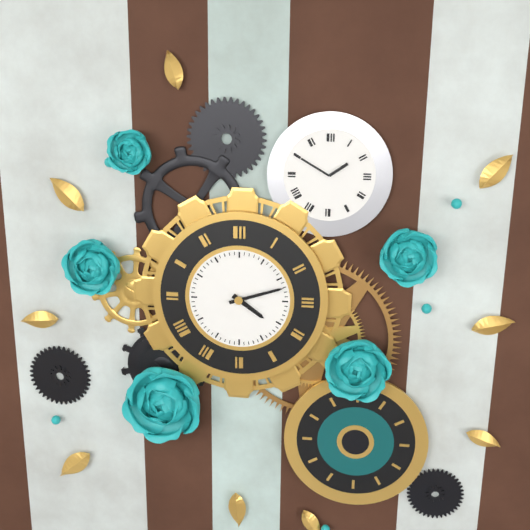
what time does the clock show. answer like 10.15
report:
4.12
